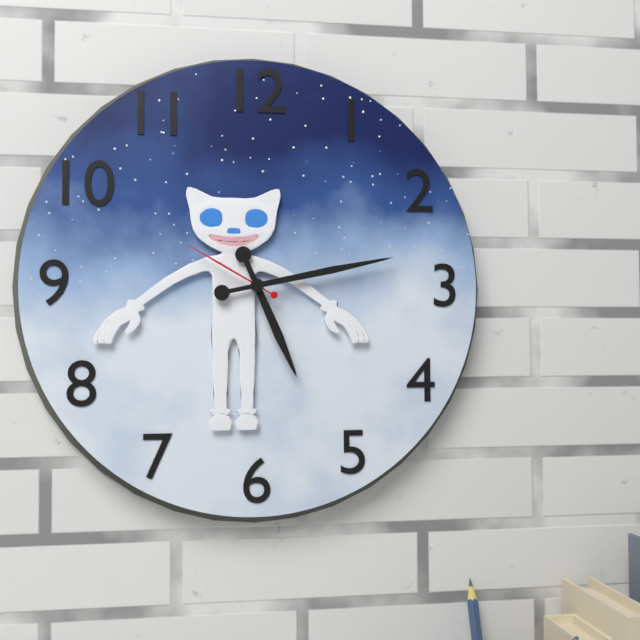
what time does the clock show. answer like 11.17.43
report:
5.13.50
